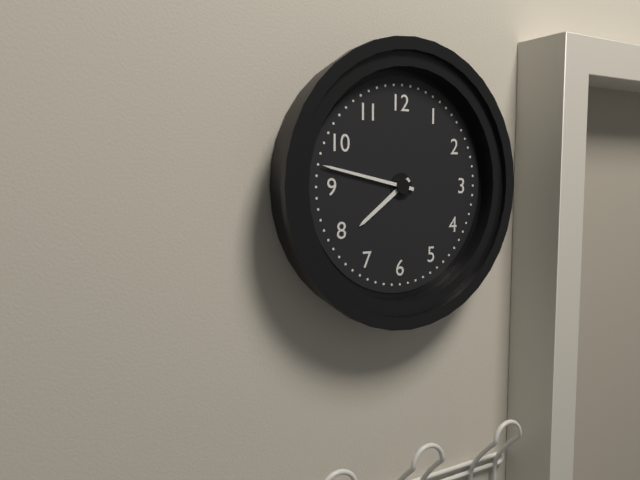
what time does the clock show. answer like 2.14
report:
7.47
